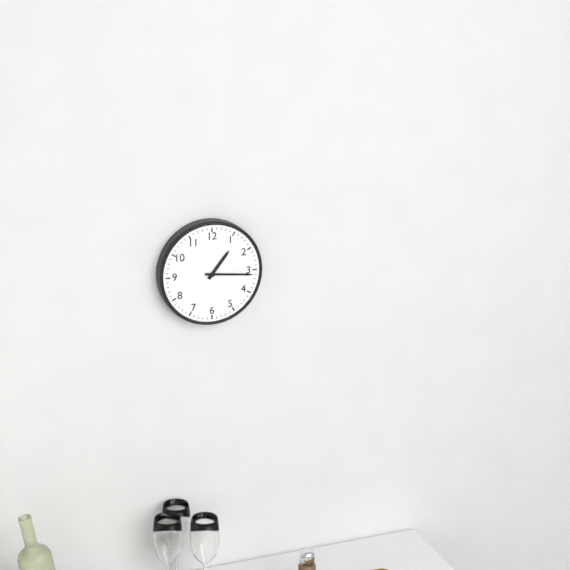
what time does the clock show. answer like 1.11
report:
1.16
